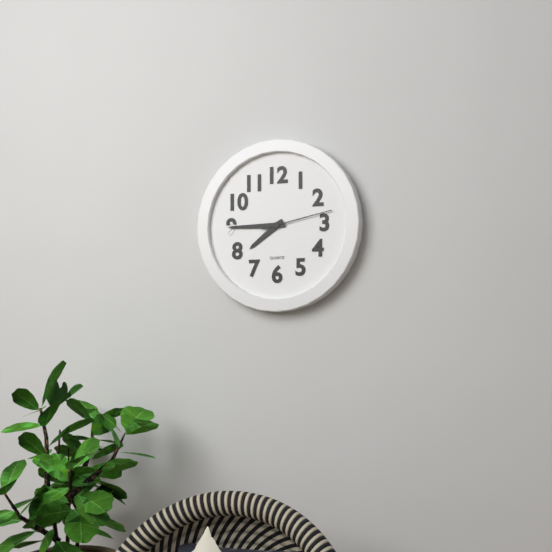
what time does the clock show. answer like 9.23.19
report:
7.45.13
